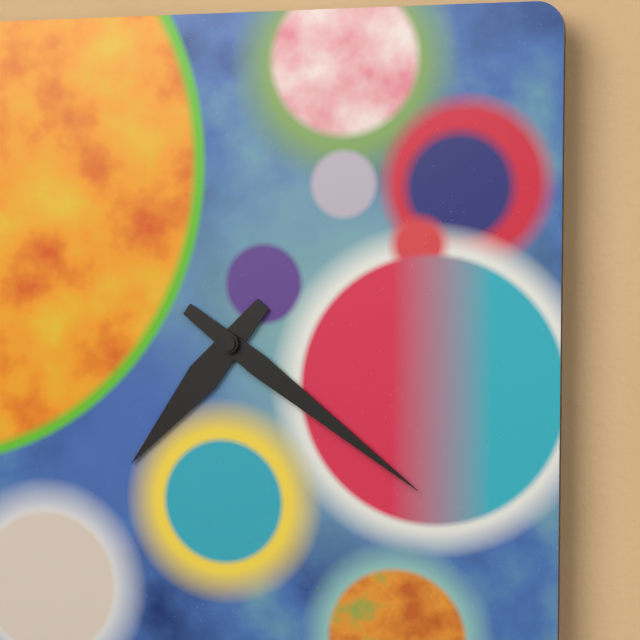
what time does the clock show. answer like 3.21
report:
7.21
